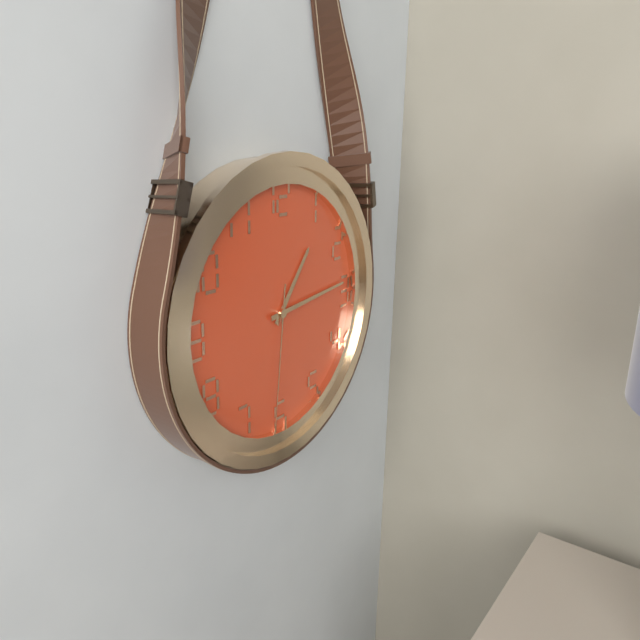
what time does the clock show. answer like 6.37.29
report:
1.14.31
